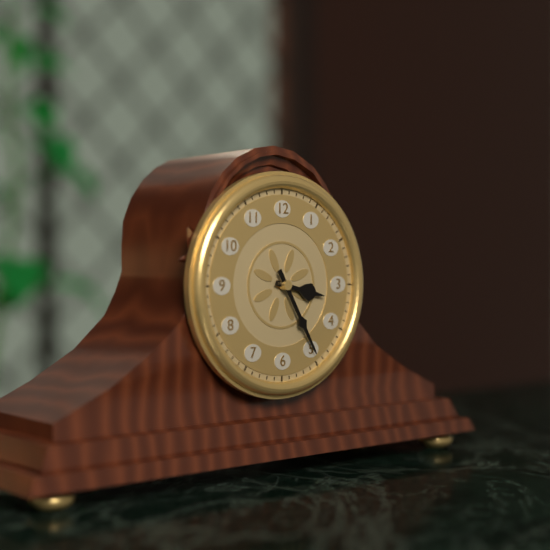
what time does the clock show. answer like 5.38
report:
3.25
